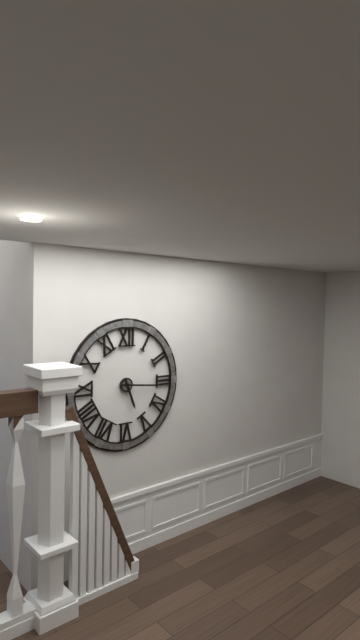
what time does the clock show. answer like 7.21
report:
5.16
